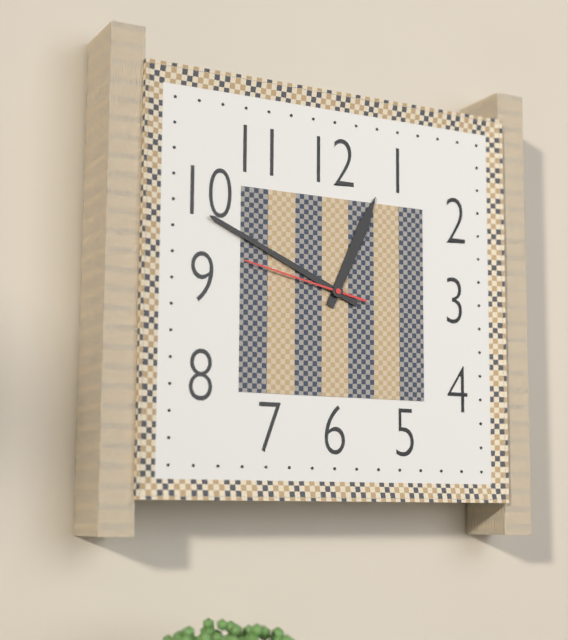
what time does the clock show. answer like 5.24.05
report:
12.49.47
